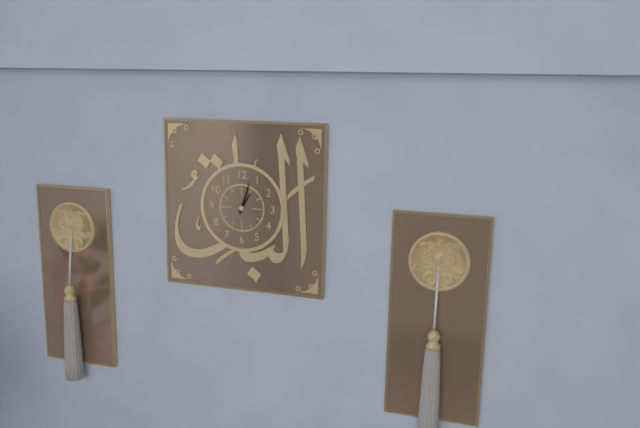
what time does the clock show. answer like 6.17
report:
1.03
